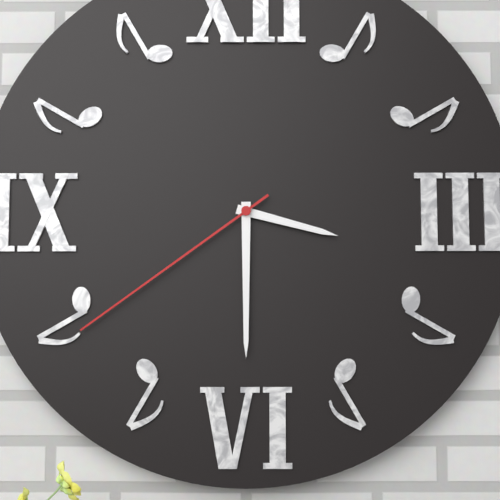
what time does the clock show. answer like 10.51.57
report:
3.30.39
